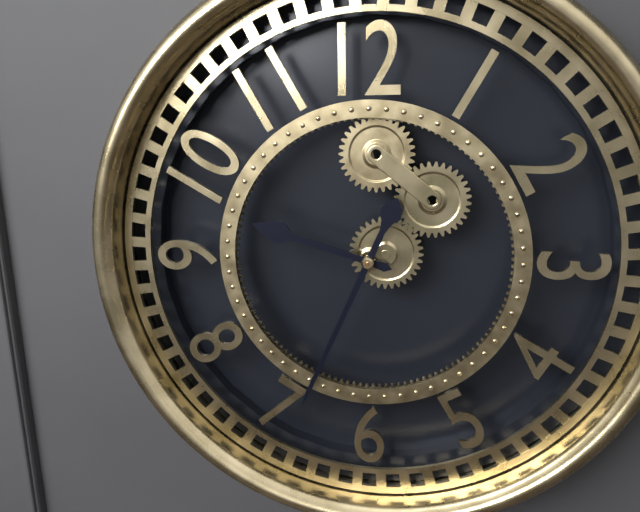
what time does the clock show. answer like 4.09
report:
9.34
